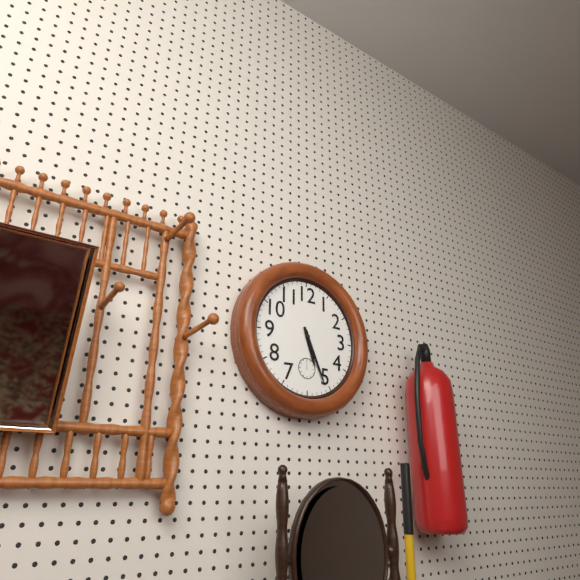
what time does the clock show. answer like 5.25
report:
5.26
